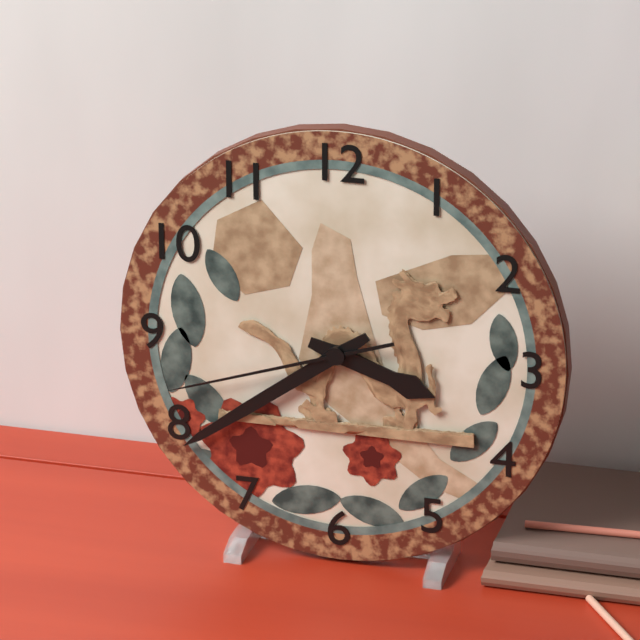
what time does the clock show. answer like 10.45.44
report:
3.39.42
